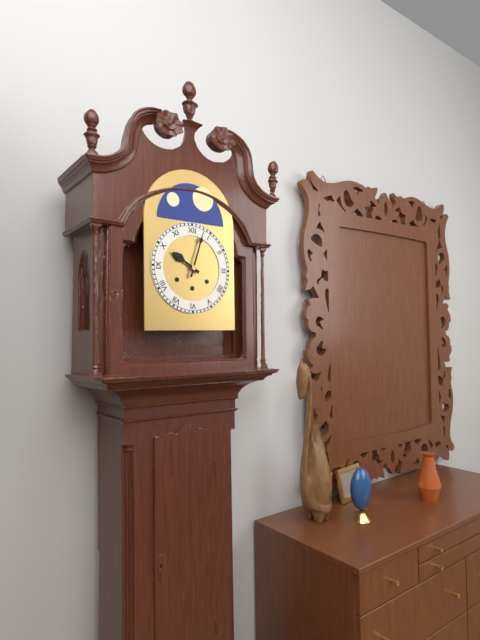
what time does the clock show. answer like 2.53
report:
10.03
